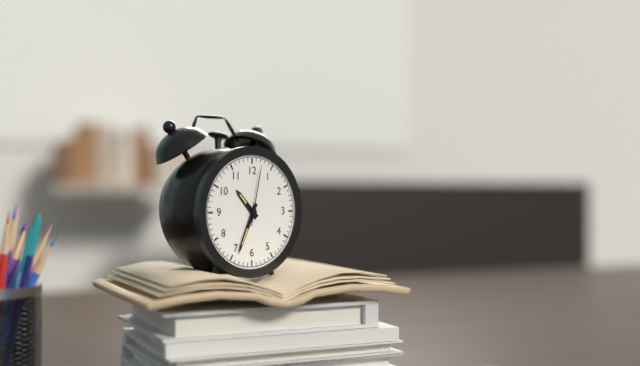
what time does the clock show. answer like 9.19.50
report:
10.34.02
